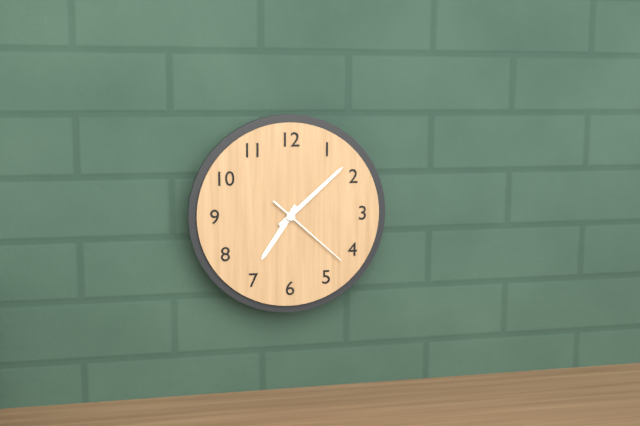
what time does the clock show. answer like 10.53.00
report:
7.08.22
